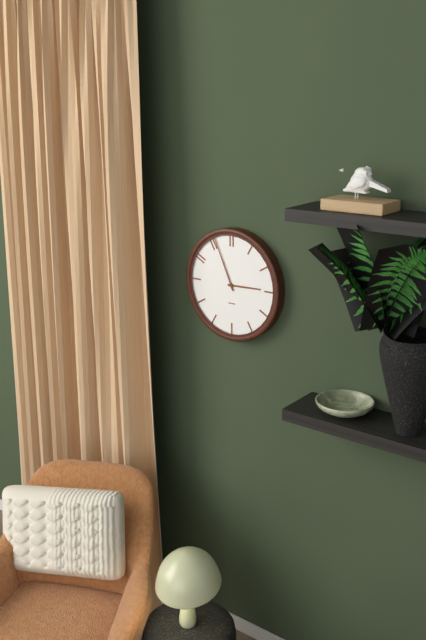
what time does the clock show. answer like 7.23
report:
2.56
